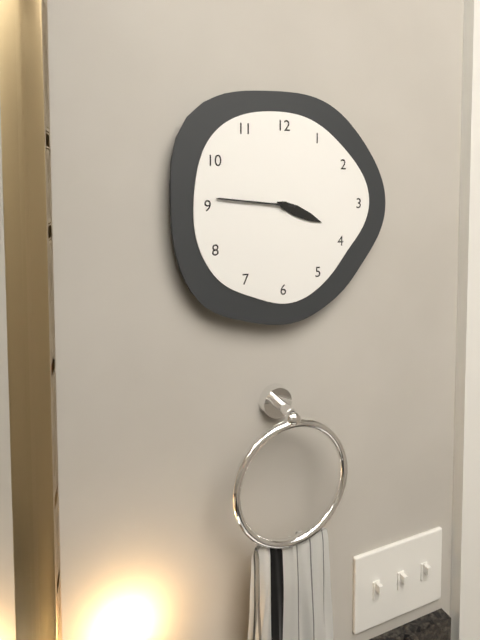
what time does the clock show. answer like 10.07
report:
3.46
